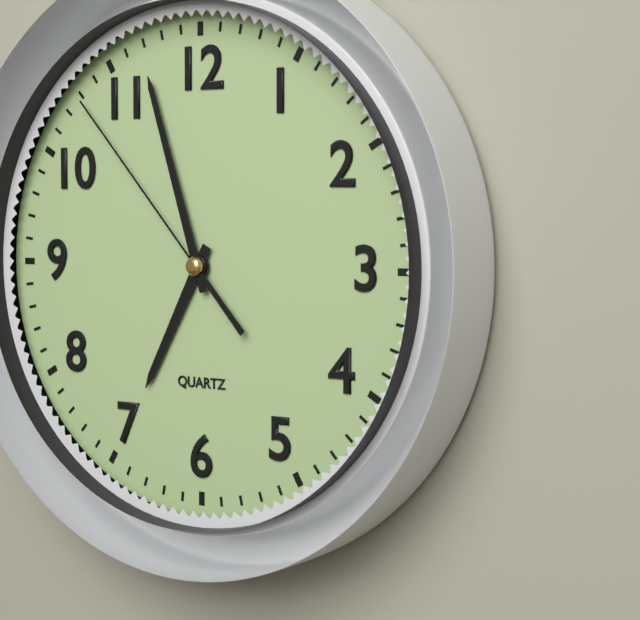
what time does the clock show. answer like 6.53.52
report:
6.57.53
